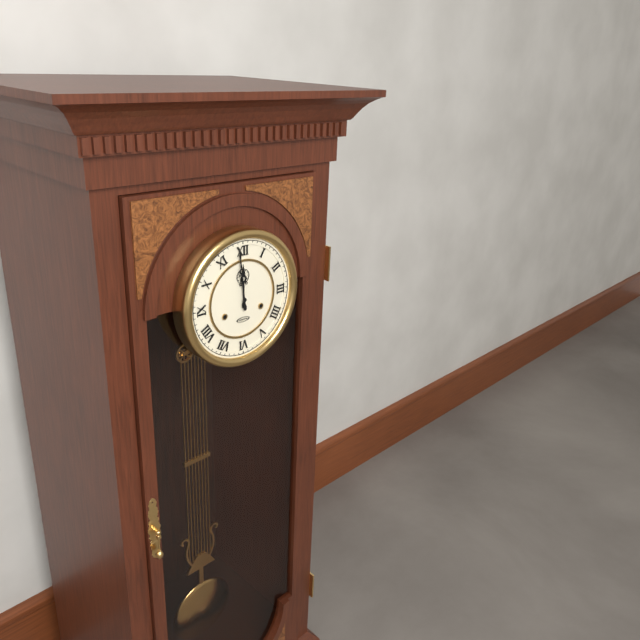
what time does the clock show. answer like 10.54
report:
11.59
